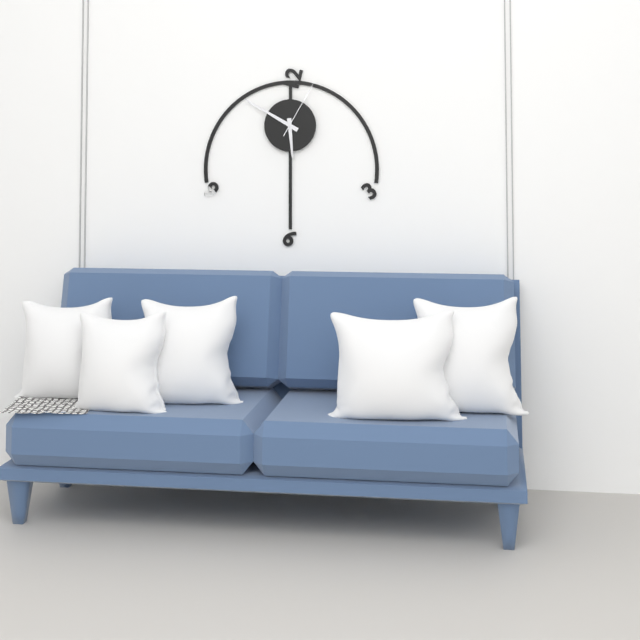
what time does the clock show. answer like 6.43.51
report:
5.50.05
